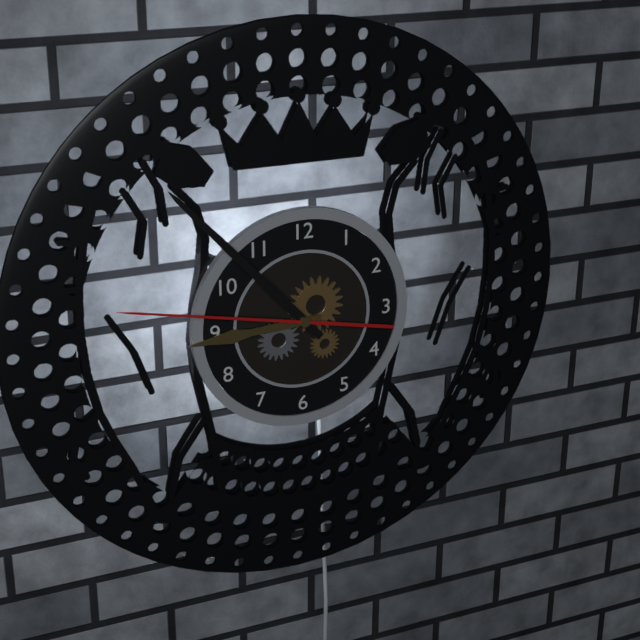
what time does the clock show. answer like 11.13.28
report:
8.53.47
